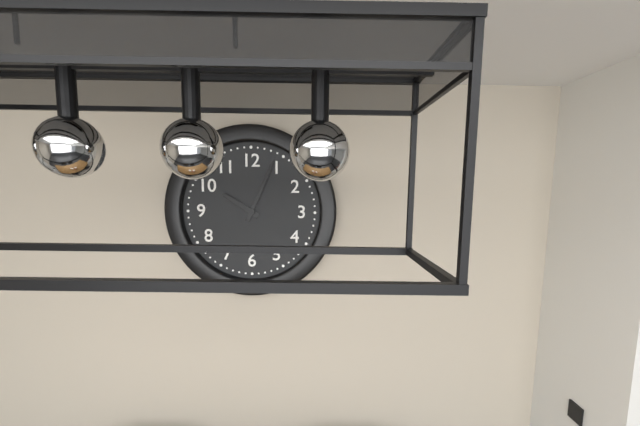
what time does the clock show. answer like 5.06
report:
10.04
